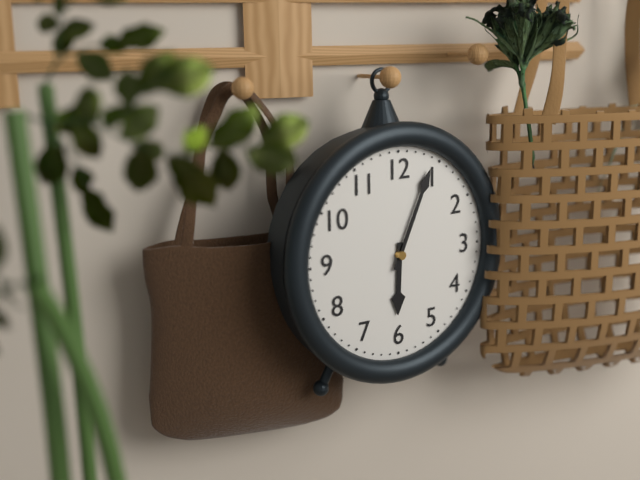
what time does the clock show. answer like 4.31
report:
6.04
